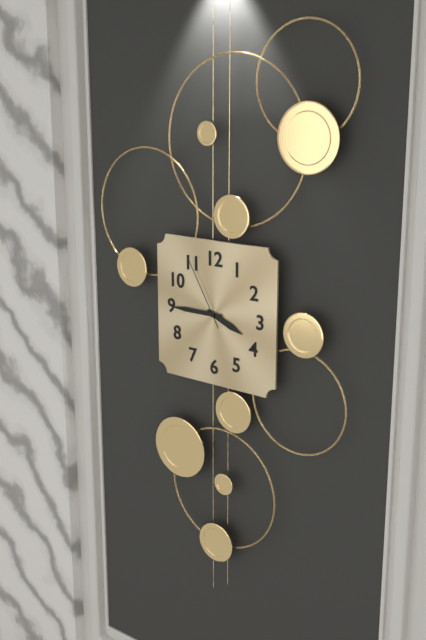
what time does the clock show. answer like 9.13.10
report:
3.45.55
